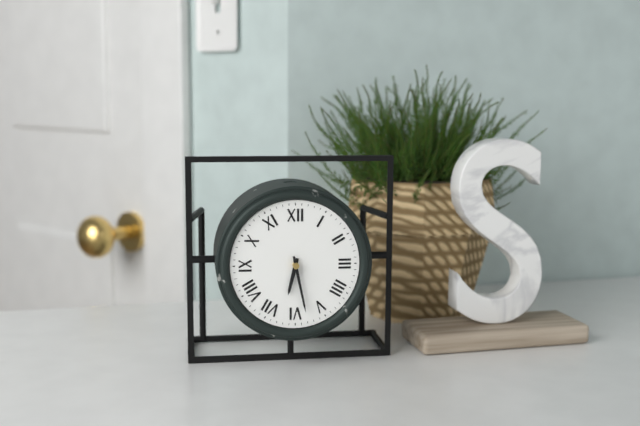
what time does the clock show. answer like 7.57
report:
6.28
